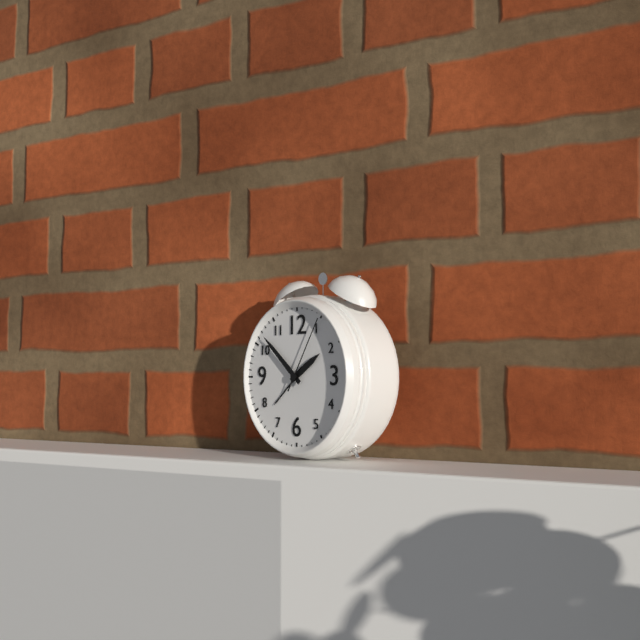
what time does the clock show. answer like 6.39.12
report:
1.52.05
